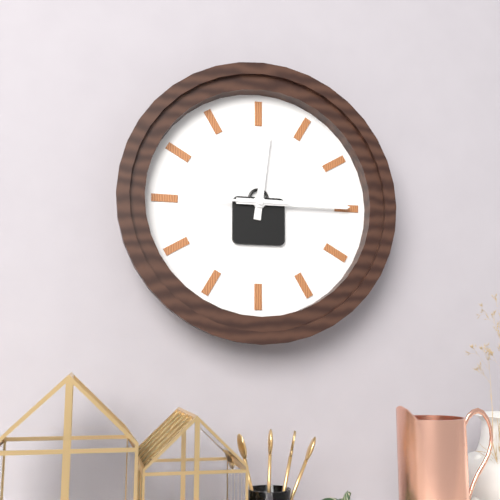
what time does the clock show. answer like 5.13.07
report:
12.15.45
